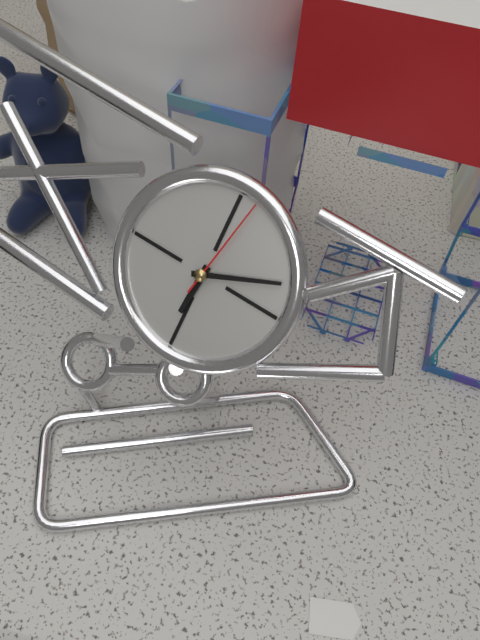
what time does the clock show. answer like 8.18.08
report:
6.11.02
